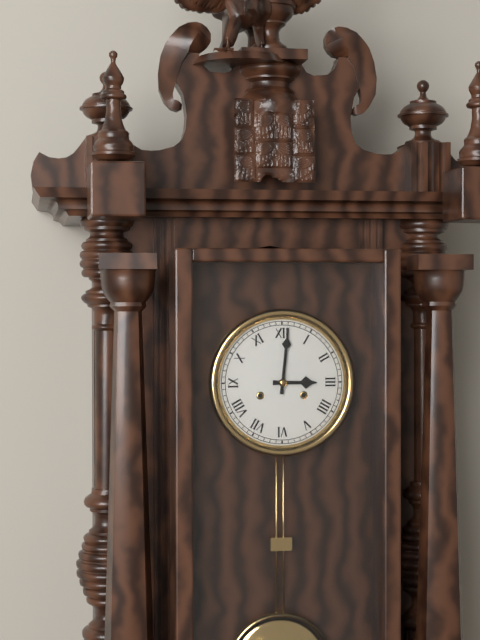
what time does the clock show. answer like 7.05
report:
3.01
